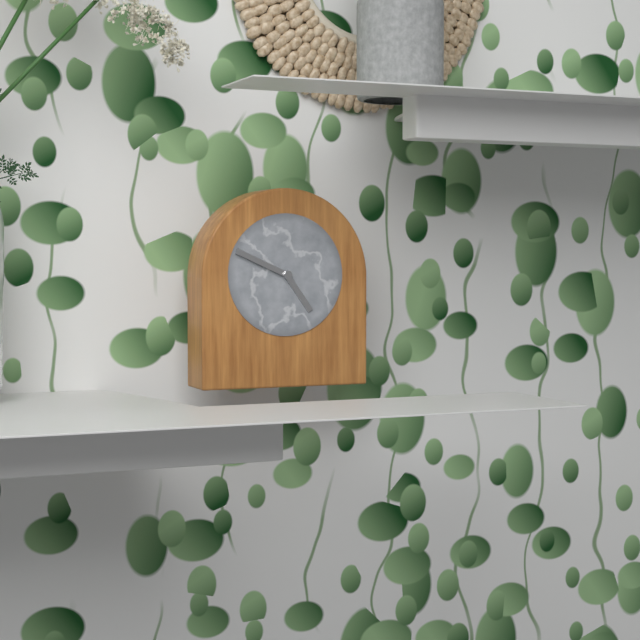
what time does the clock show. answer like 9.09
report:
4.49
